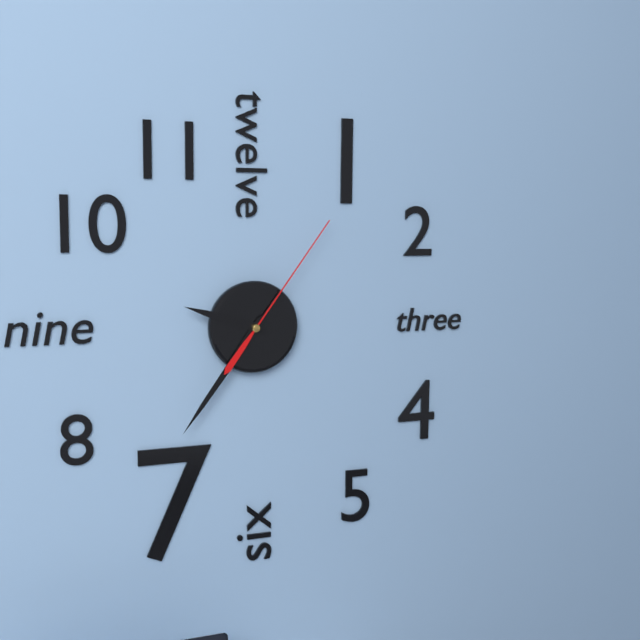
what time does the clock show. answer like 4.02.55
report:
9.36.06
